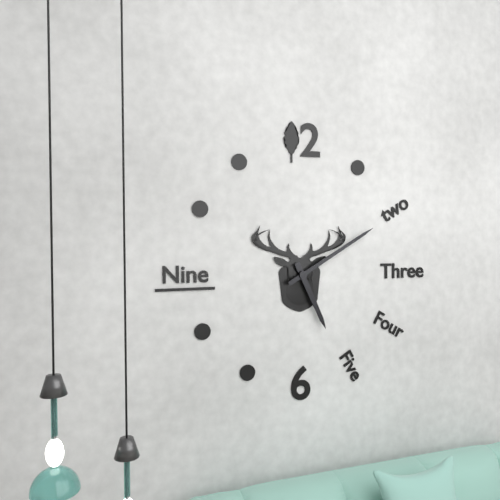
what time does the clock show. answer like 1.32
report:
5.10
